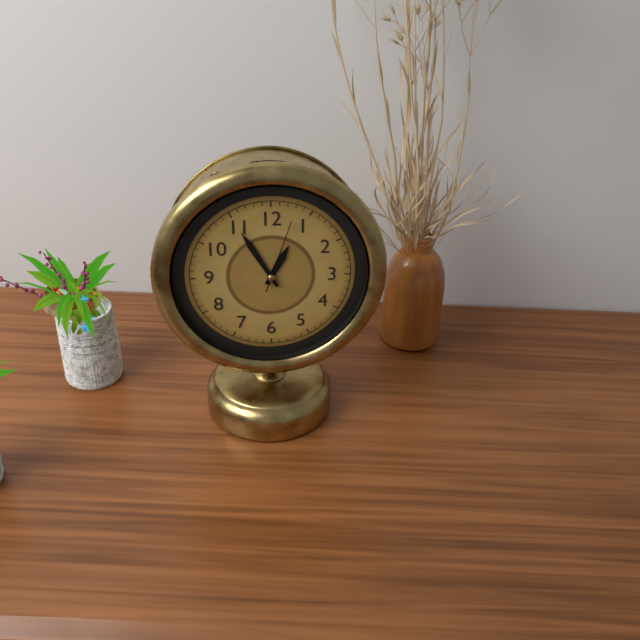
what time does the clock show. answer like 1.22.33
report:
12.55.03
